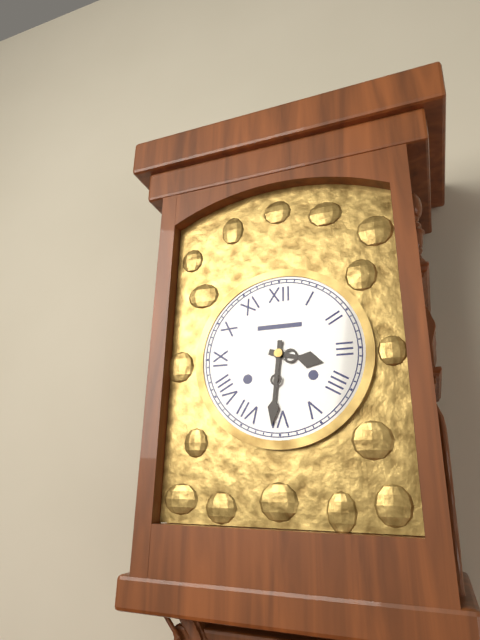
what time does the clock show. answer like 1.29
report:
3.31
